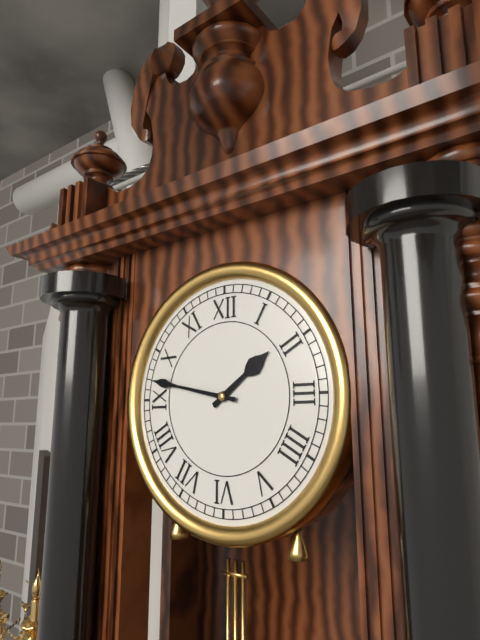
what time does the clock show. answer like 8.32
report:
1.47
